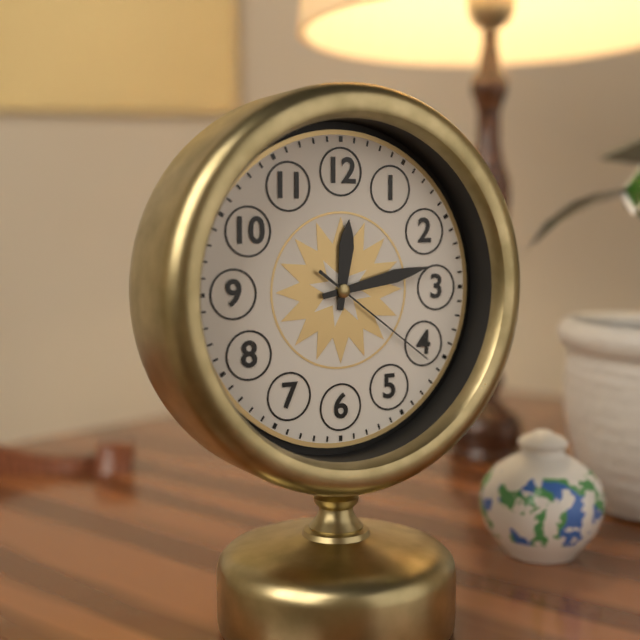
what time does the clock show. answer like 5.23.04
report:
12.13.21
